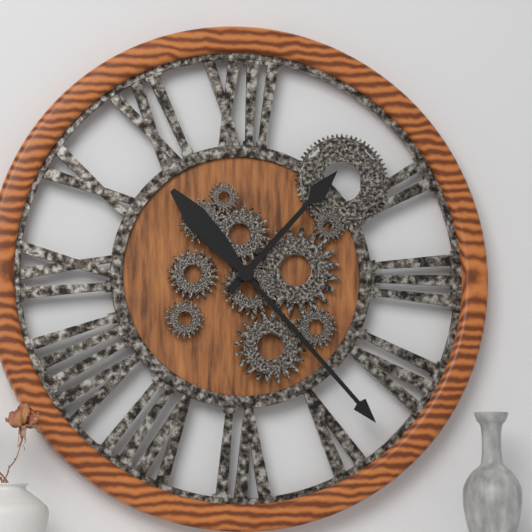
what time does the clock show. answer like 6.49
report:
1.23
